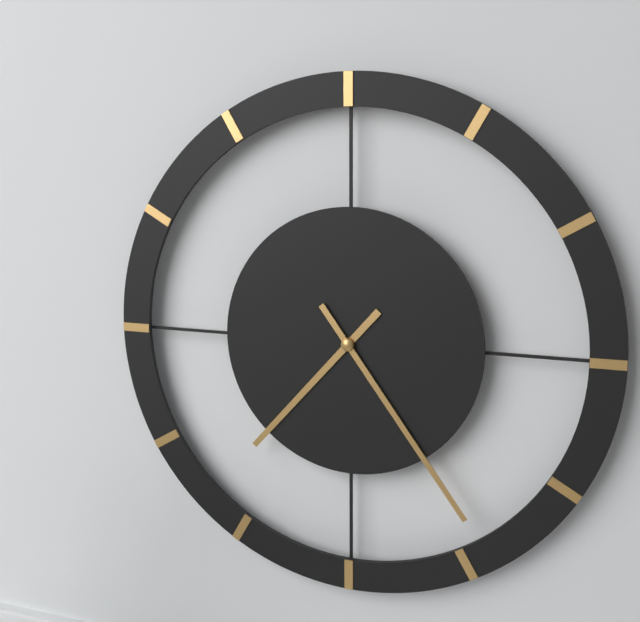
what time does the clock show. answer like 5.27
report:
7.24
